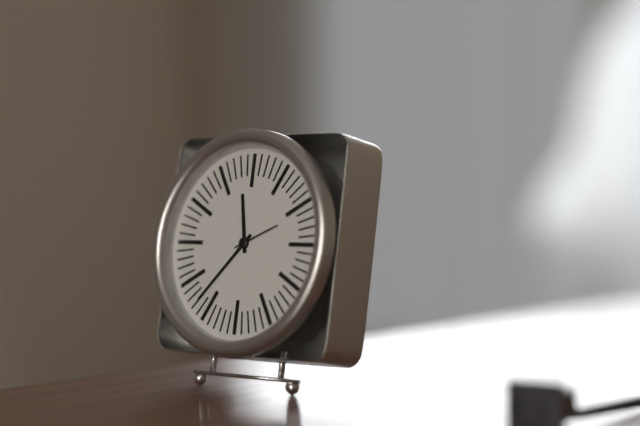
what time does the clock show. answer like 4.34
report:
11.37
